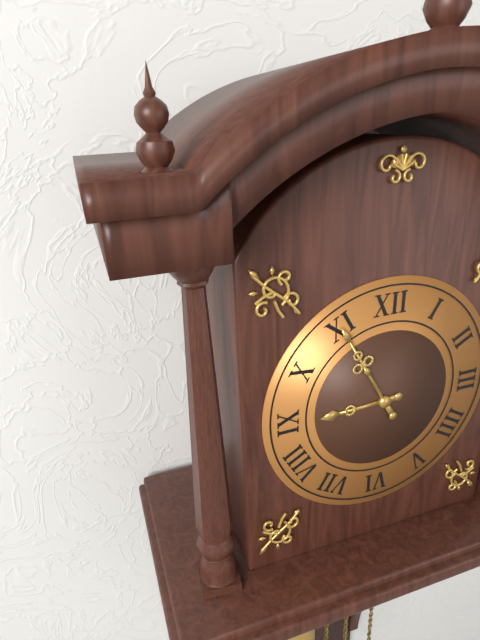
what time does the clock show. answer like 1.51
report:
8.55
